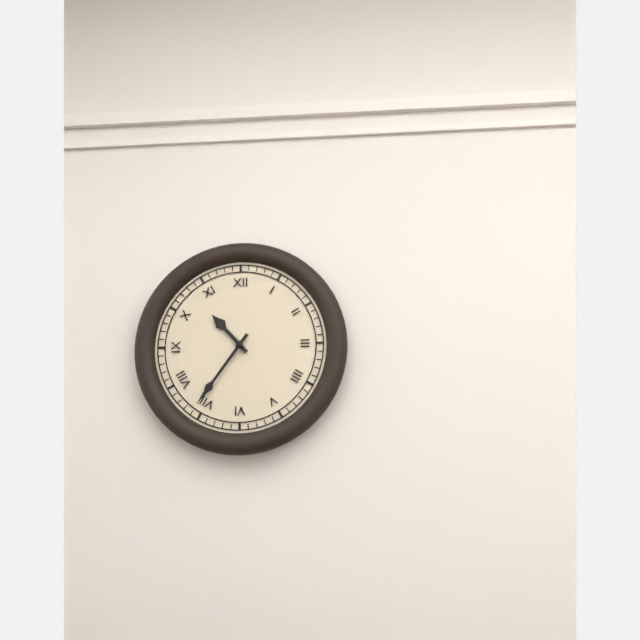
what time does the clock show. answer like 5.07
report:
10.36
